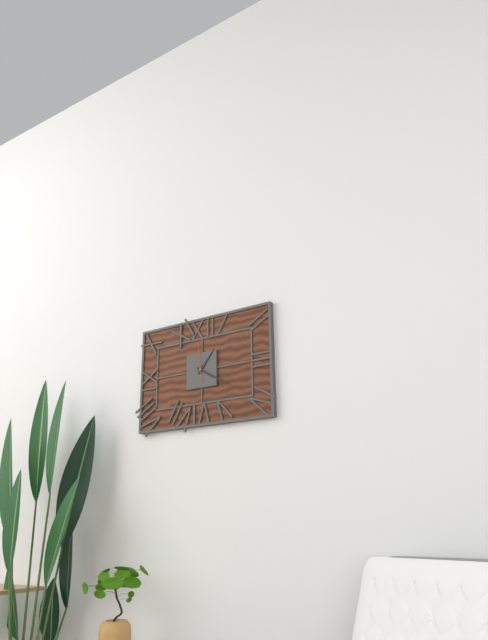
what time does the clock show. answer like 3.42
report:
1.20
